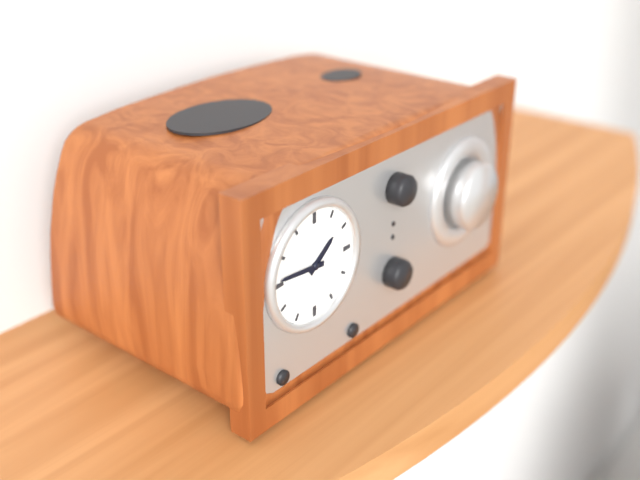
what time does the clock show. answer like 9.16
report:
1.46
